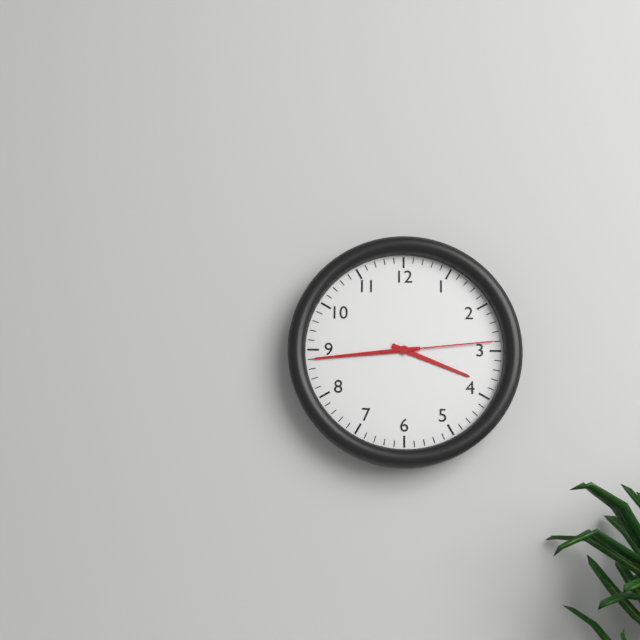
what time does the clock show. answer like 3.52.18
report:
3.44.14
